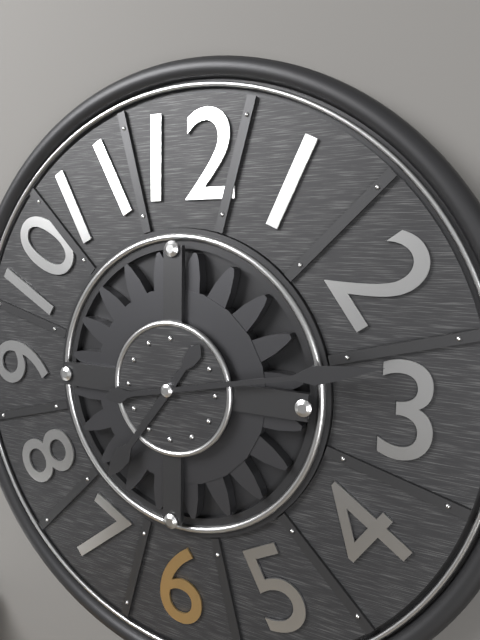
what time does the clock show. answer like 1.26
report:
7.13
